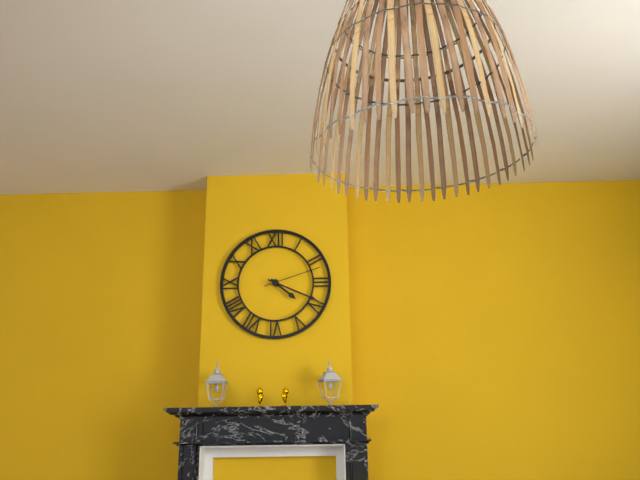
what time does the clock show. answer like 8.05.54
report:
4.19.12
